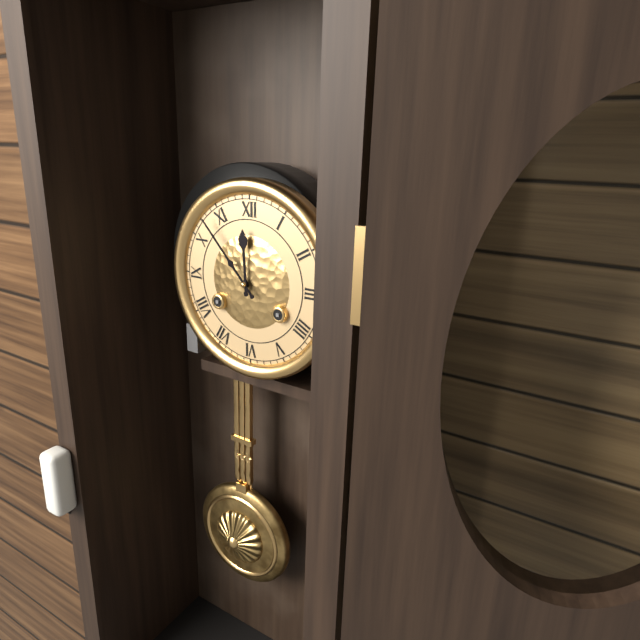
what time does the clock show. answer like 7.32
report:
11.53
